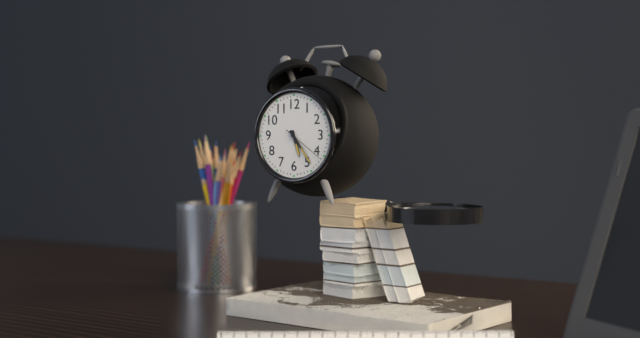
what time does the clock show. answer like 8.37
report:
5.24
